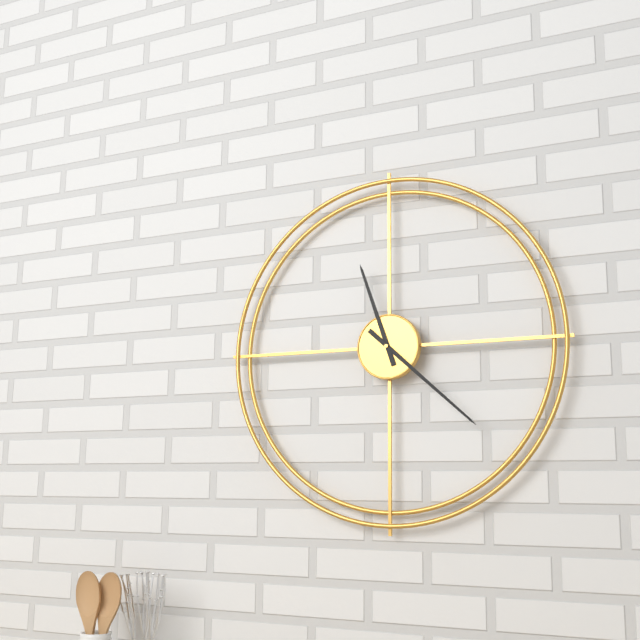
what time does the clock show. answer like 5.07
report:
11.22
